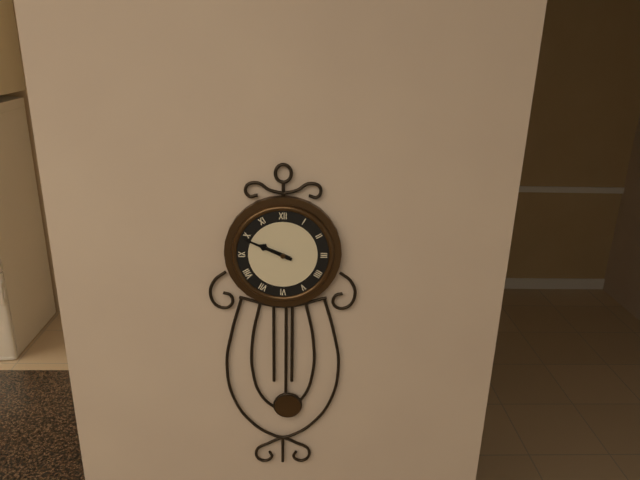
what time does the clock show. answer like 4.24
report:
9.49
